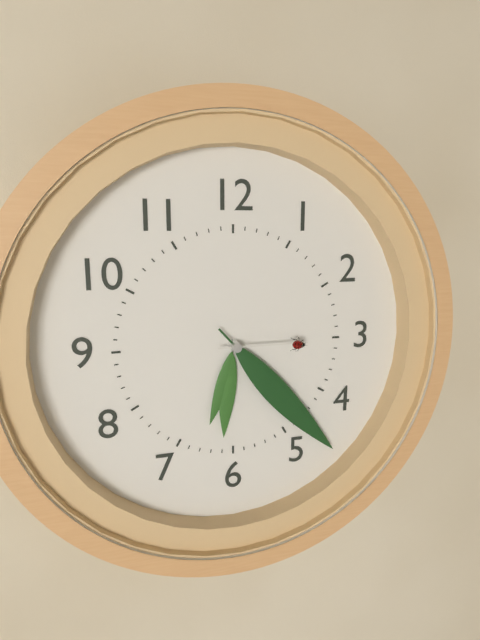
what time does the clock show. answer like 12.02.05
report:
6.23.15
